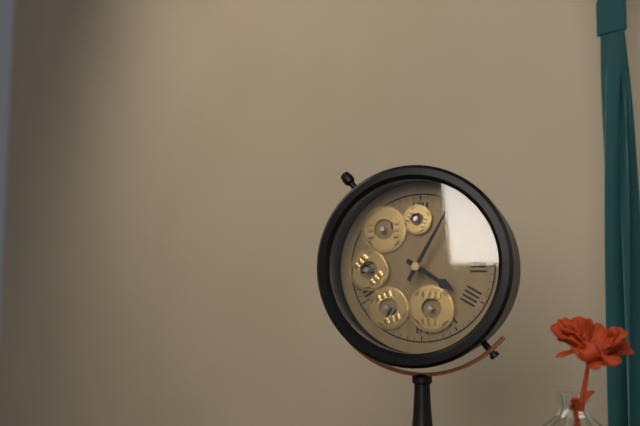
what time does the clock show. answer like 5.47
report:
4.05
